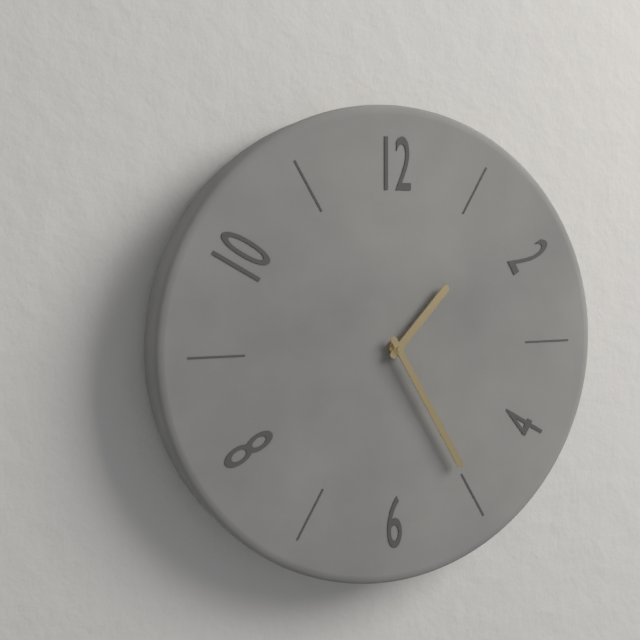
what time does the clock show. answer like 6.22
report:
1.25
